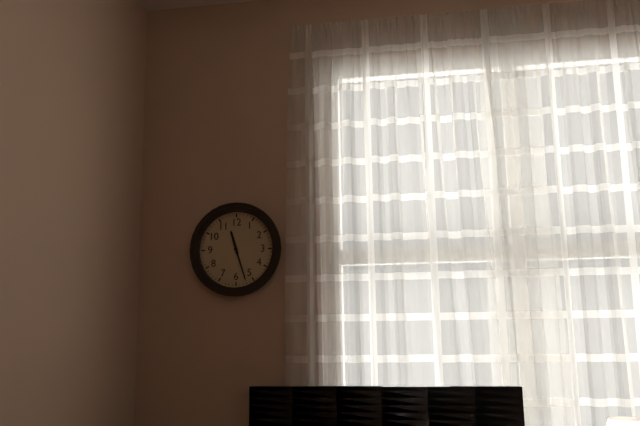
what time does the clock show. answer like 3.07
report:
11.27
